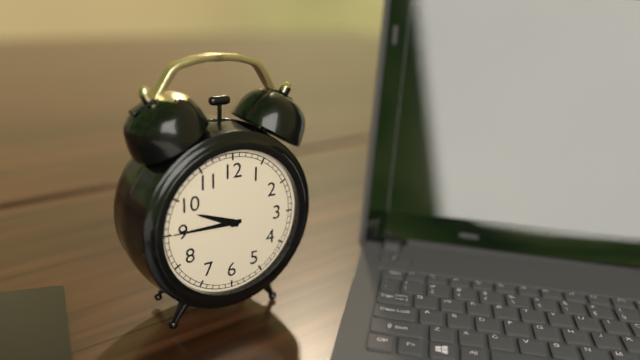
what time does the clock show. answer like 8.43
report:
9.45
